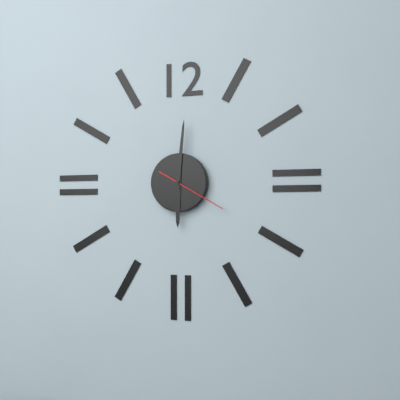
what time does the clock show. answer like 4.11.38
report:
6.01.20
